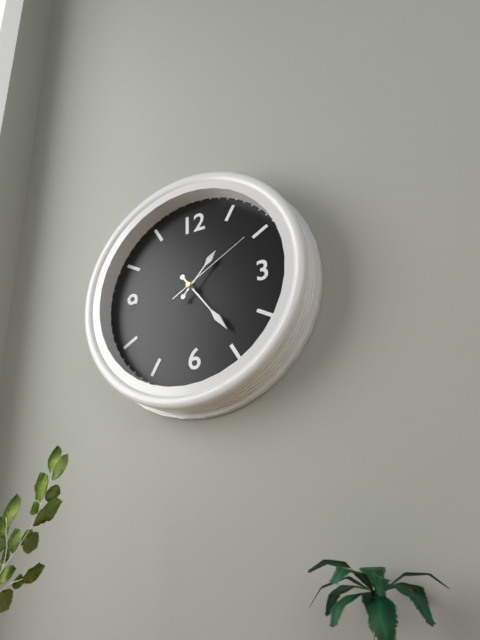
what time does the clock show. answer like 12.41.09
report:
1.24.10
